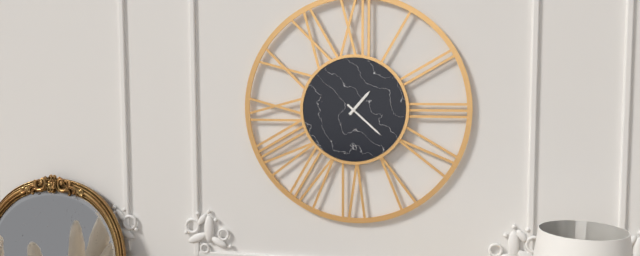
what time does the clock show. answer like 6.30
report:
1.22
